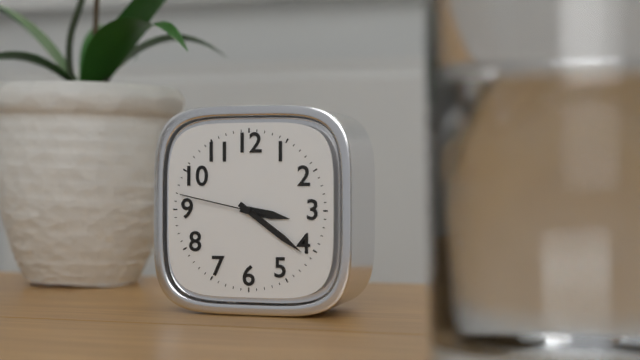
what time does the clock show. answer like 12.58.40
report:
3.21.47
